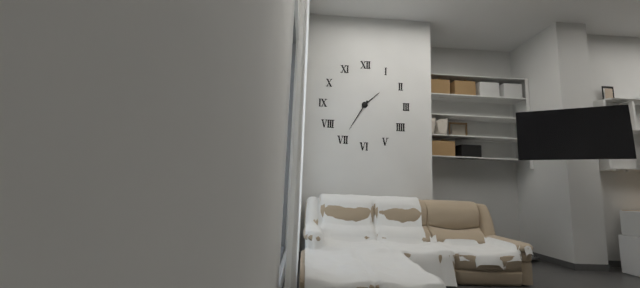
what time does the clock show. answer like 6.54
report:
1.35
